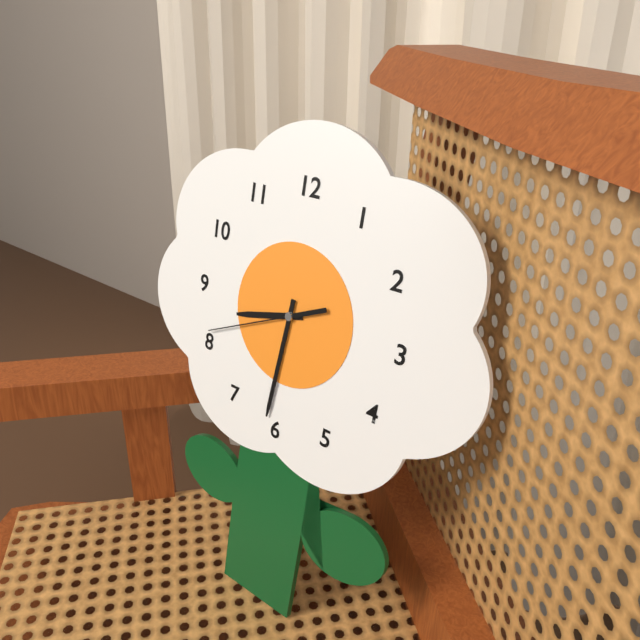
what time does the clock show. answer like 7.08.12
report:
8.31.41
